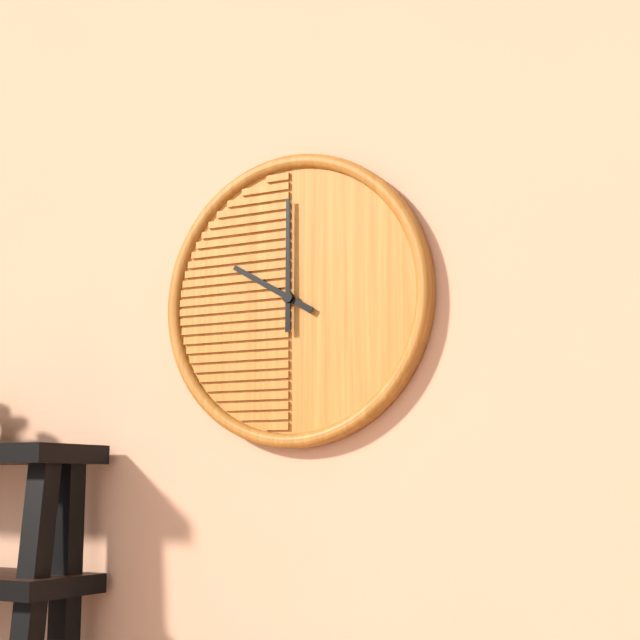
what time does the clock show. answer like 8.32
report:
10.00
